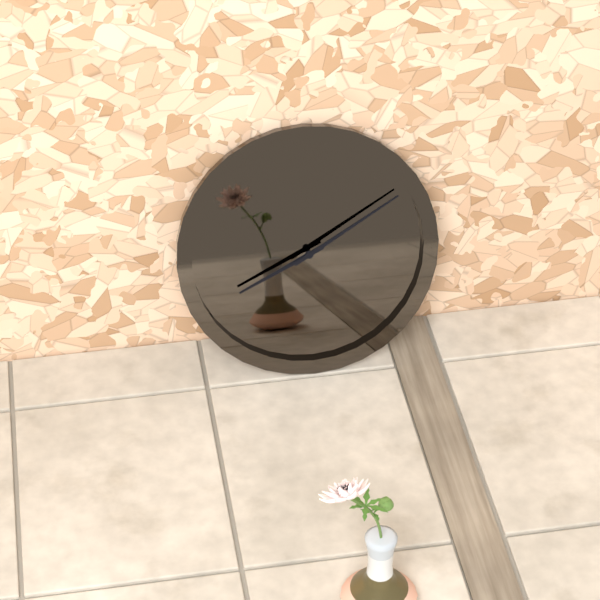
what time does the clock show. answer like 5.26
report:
8.10
